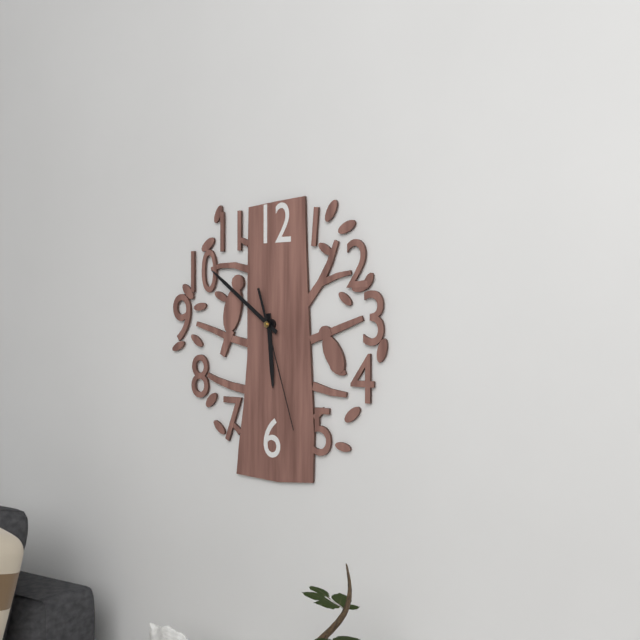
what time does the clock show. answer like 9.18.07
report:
5.51.27
